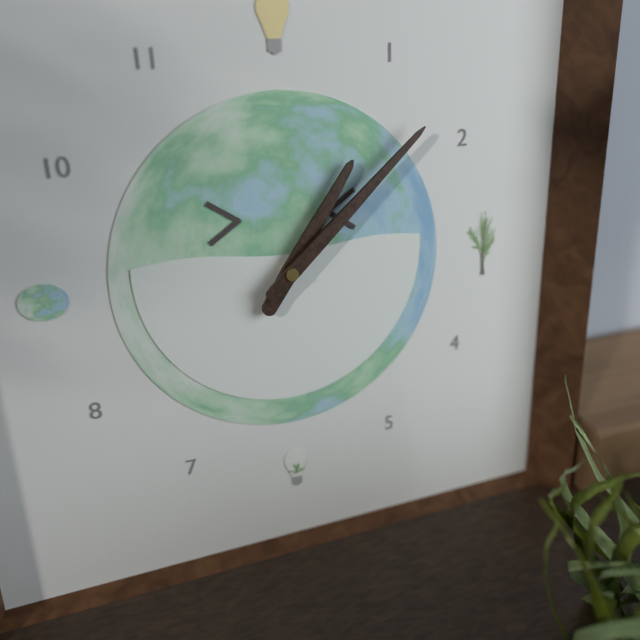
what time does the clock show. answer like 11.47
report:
1.08
